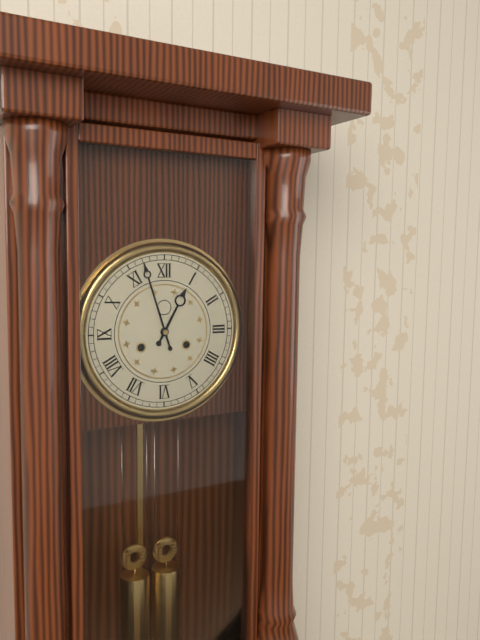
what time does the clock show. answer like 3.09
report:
12.57
